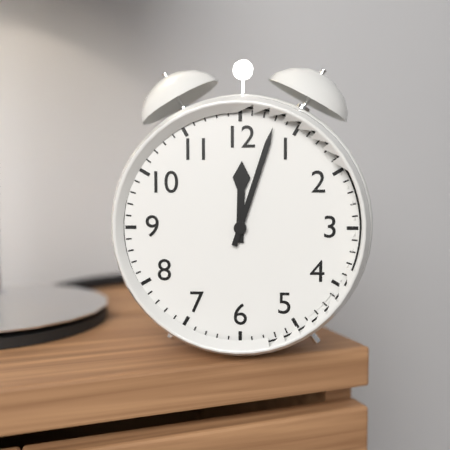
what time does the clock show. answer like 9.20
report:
12.03
